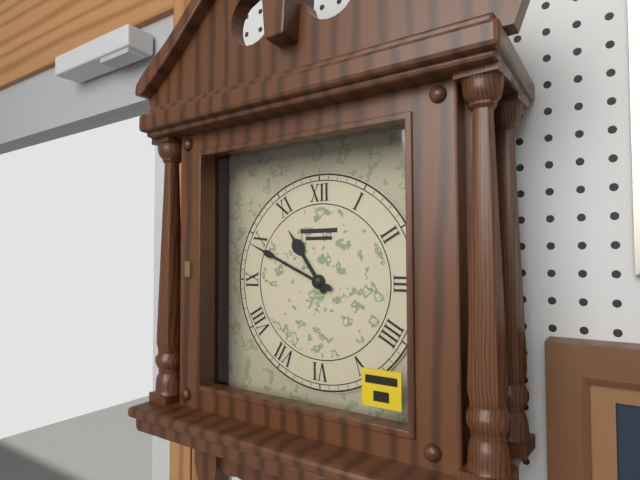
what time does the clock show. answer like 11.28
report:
10.49
